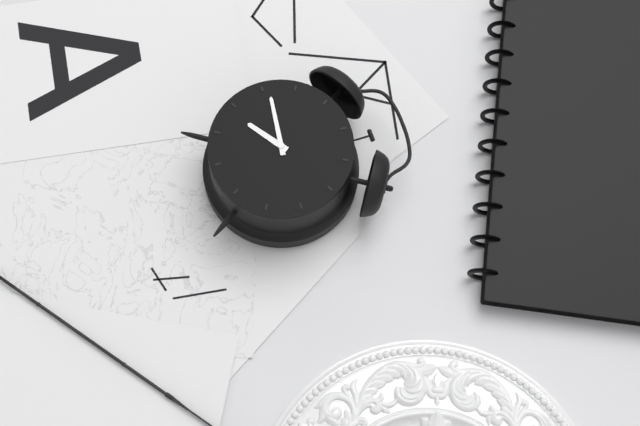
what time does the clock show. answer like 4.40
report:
7.46
